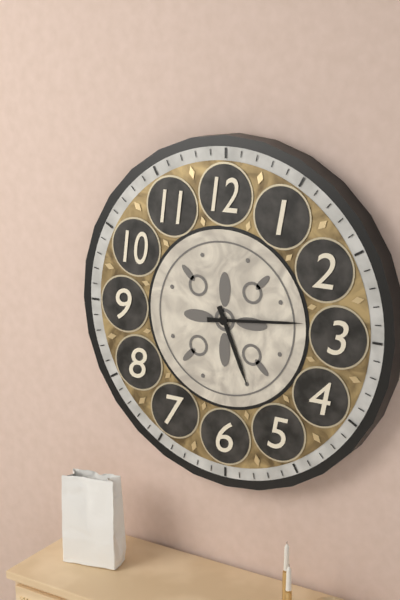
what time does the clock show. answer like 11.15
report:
5.14
